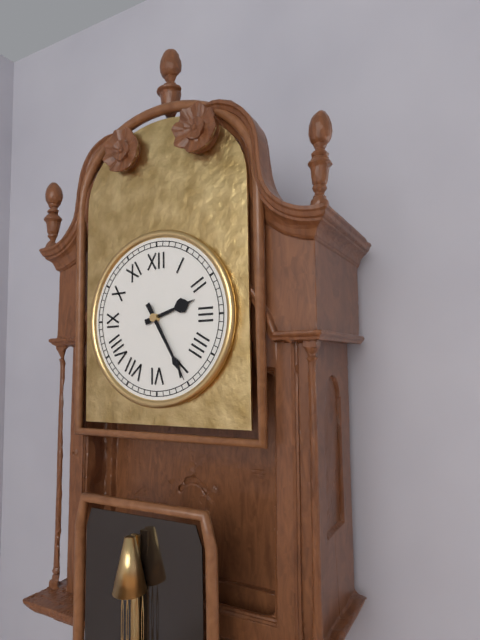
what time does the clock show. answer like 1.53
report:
2.25
